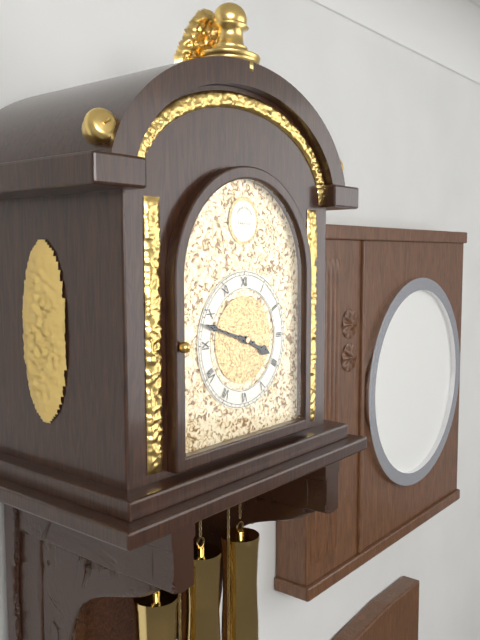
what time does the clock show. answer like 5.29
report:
3.48
